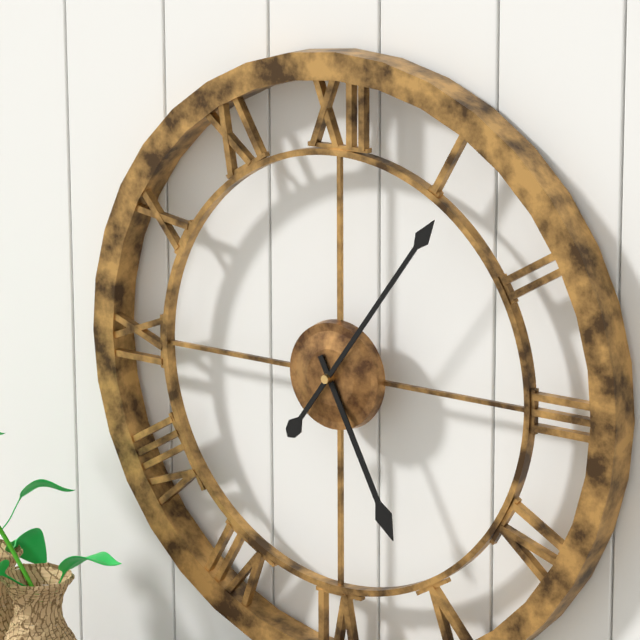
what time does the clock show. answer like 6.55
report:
5.06
